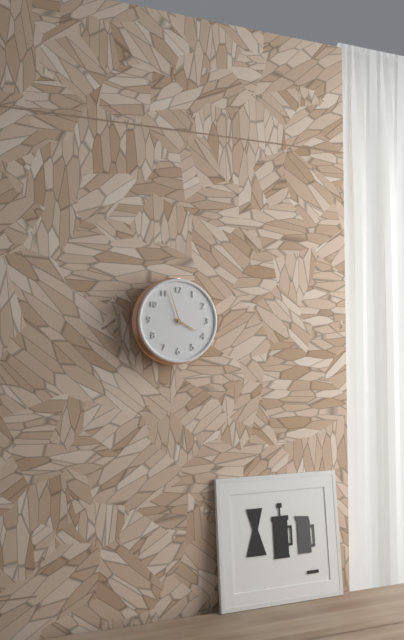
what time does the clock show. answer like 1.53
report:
3.57
